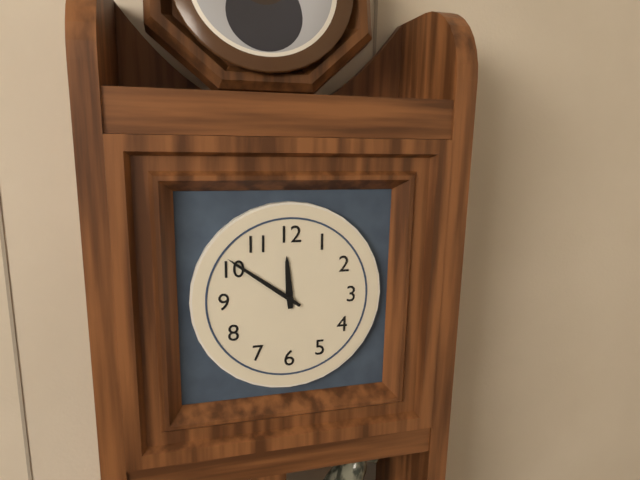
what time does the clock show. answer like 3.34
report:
11.51
